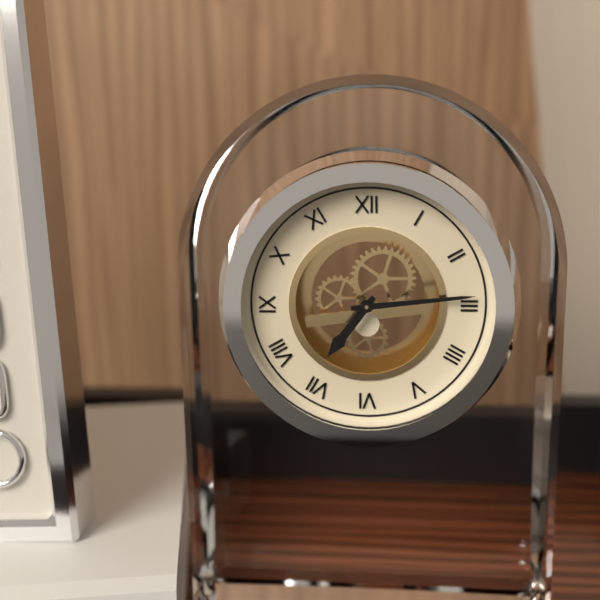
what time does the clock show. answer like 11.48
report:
7.14
